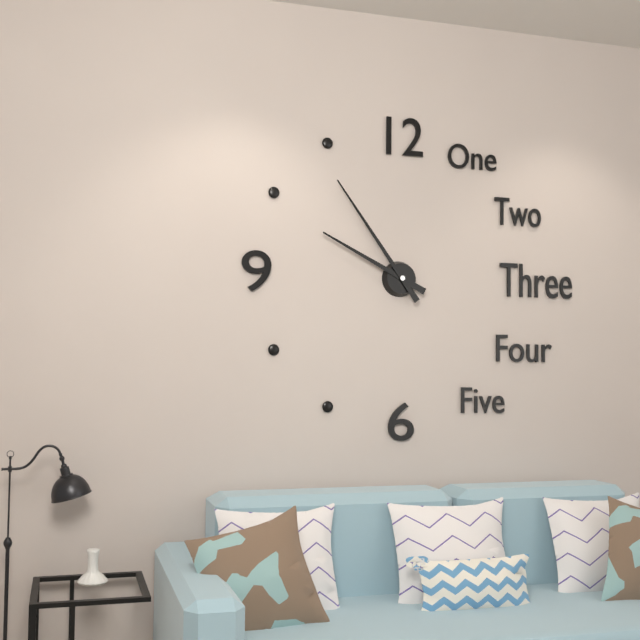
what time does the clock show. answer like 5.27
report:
9.54
